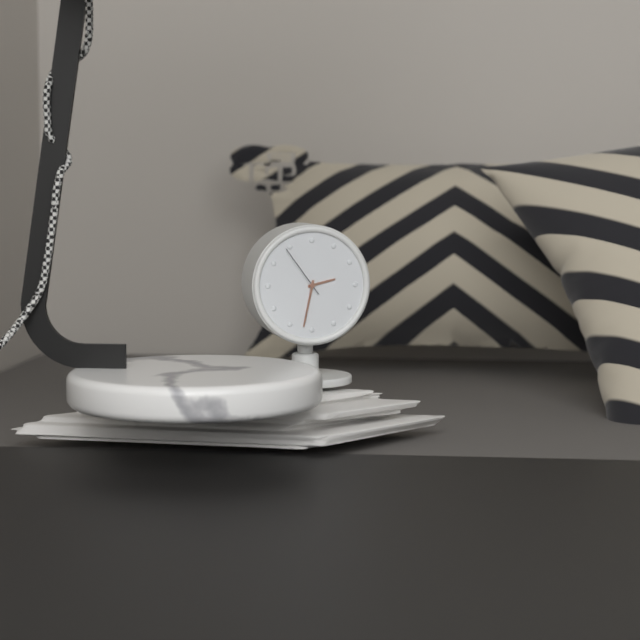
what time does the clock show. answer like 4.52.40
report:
2.32.54
